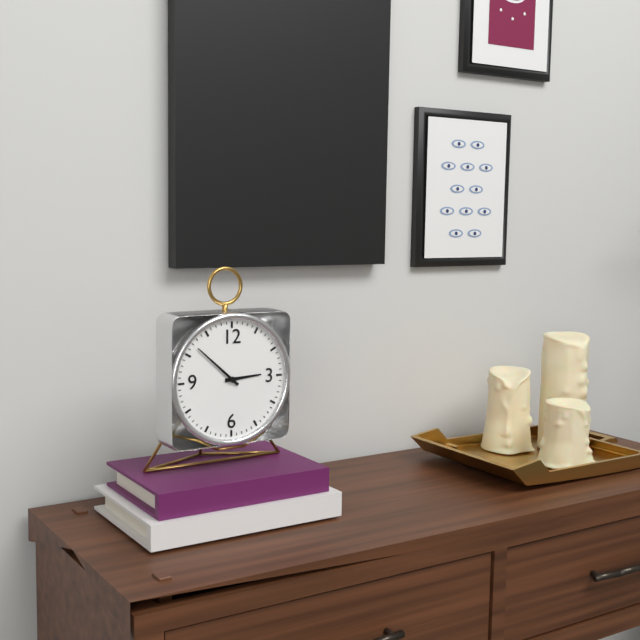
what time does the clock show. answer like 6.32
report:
2.52
